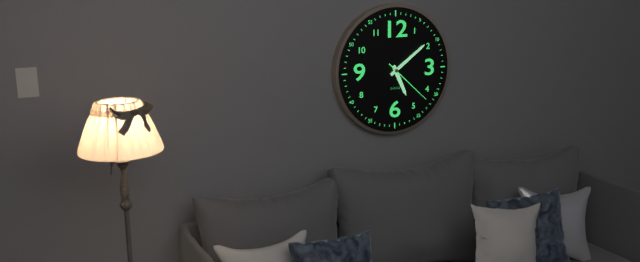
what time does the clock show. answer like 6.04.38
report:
5.09.22
